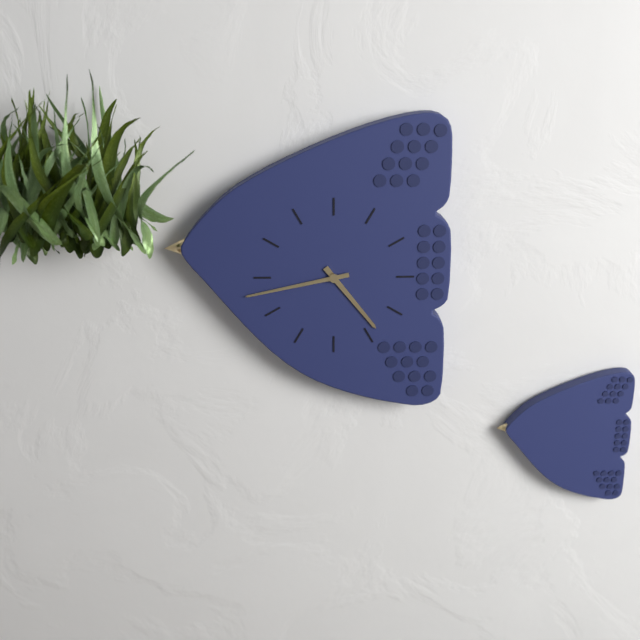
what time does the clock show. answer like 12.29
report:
4.43
